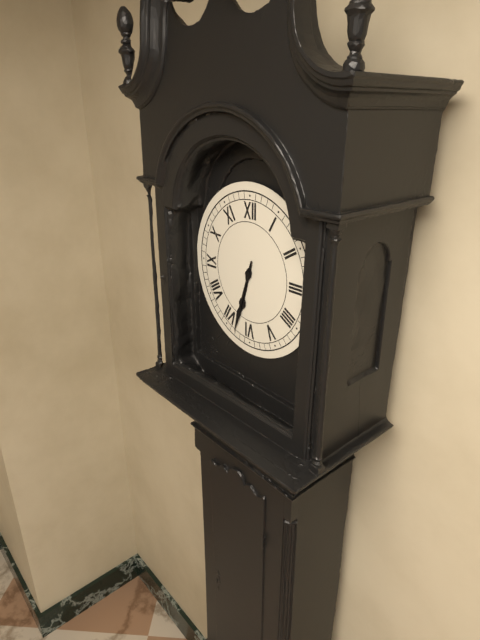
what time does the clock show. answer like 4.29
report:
6.33
